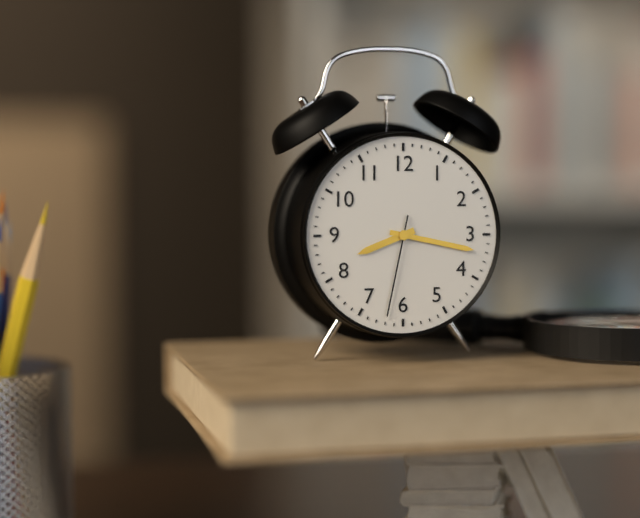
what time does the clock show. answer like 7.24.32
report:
8.17.32
